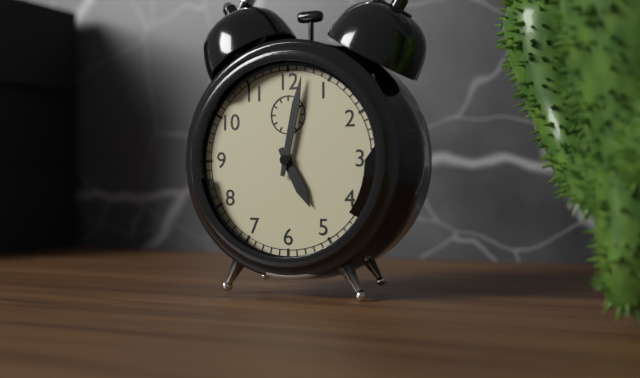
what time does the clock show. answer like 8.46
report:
5.02
